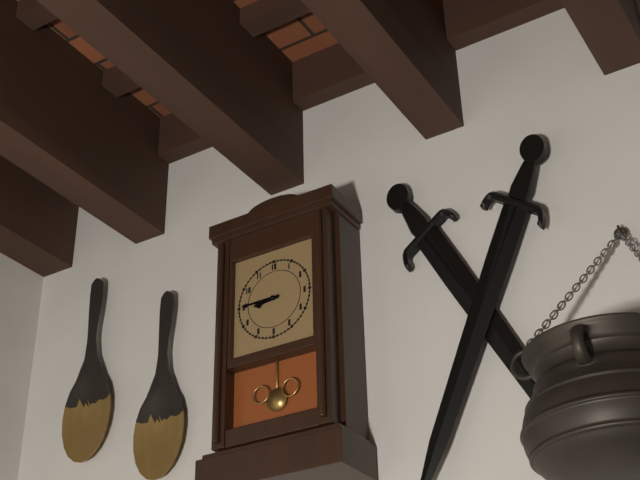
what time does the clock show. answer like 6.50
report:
8.45
